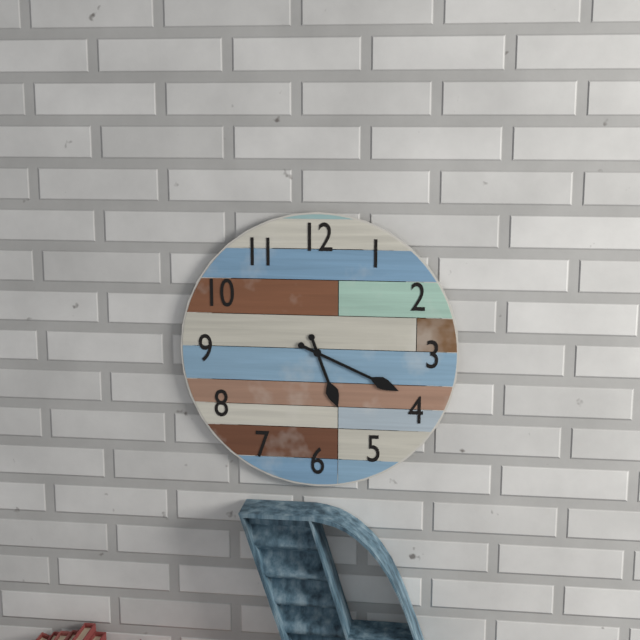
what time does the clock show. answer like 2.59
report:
5.19
